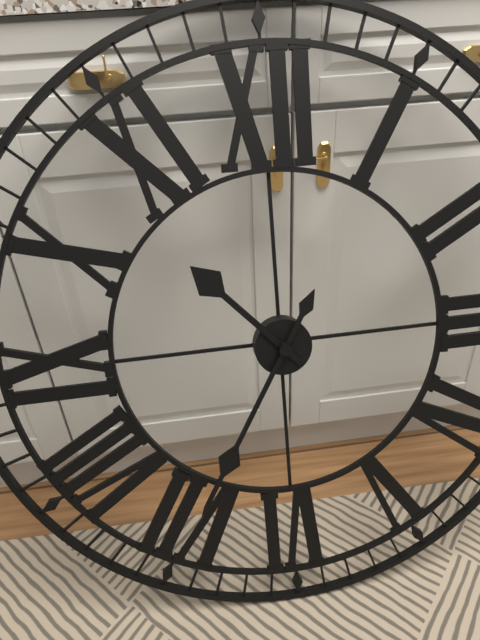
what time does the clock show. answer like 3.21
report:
10.35
